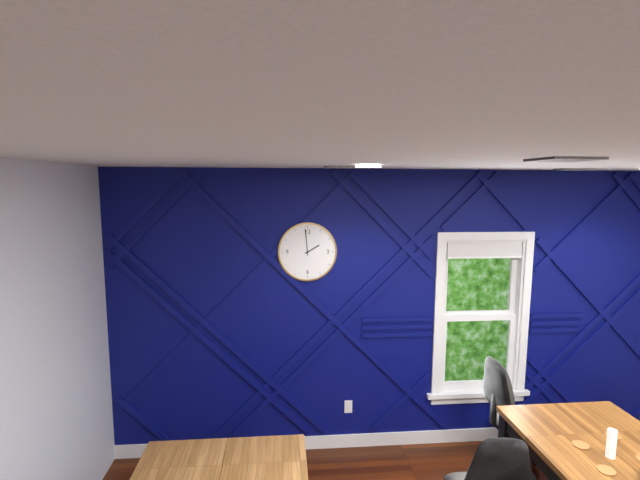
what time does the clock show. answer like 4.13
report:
1.59
